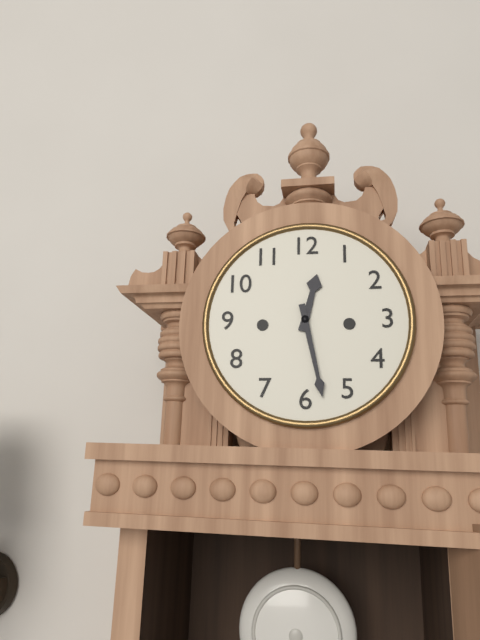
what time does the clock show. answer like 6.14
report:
12.28
